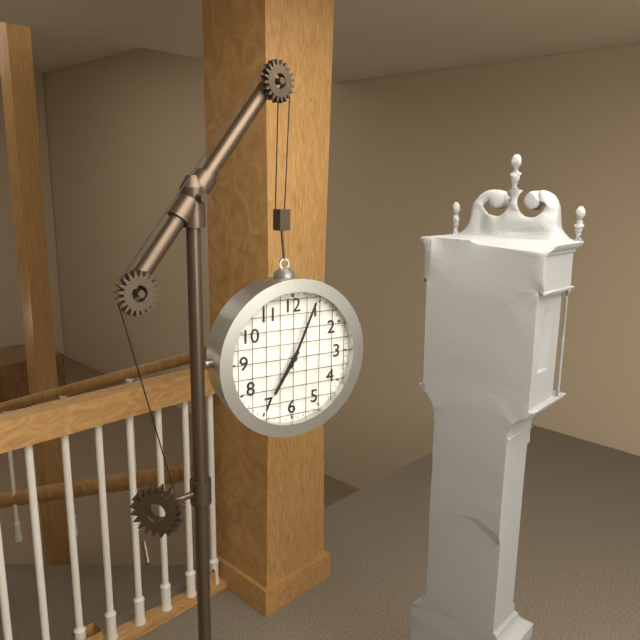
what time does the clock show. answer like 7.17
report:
7.04
